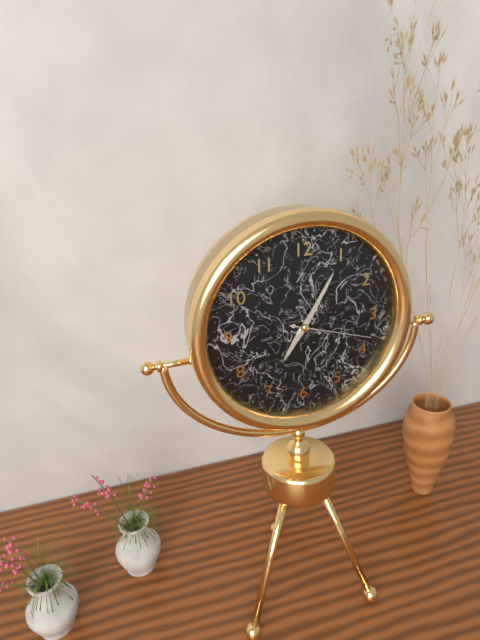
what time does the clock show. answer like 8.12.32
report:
7.05.18
